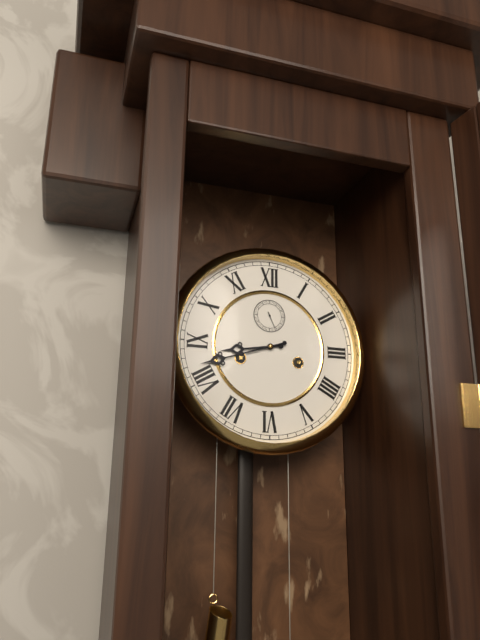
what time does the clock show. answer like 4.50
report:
8.42
